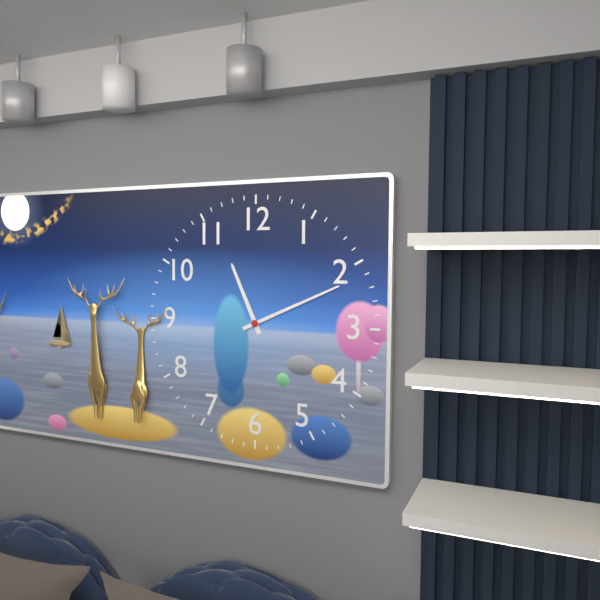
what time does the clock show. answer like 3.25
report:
11.11
